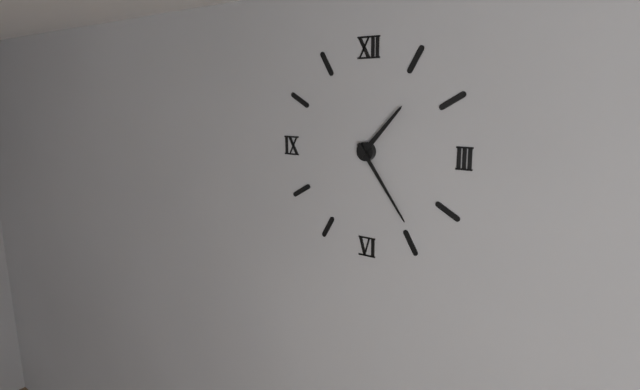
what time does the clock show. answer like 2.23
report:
1.24
